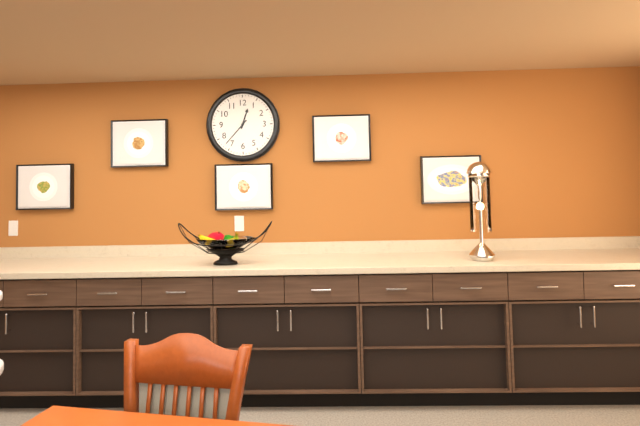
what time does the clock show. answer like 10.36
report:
12.37
